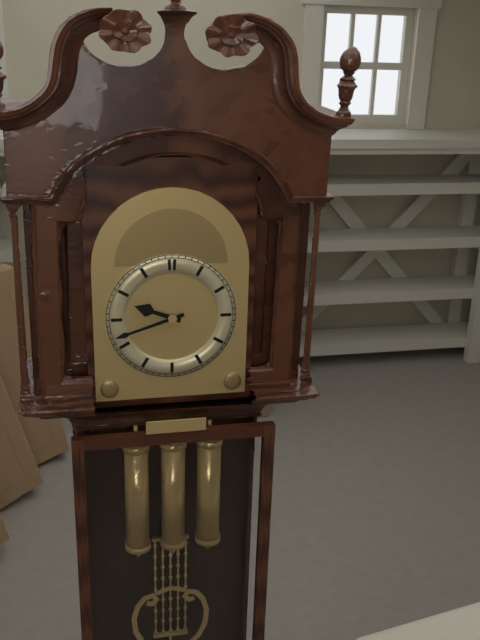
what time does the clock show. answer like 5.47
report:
9.42
